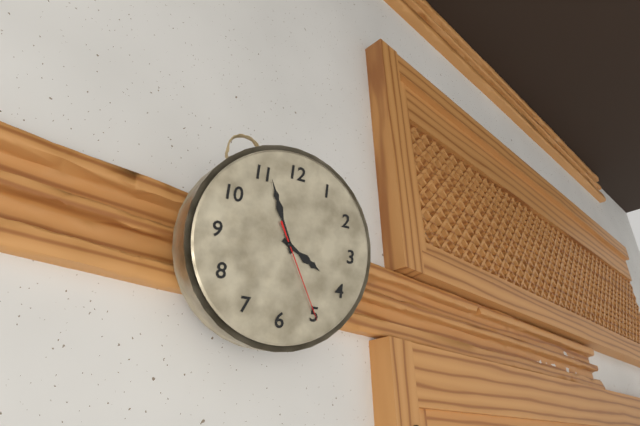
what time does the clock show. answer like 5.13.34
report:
3.56.25
